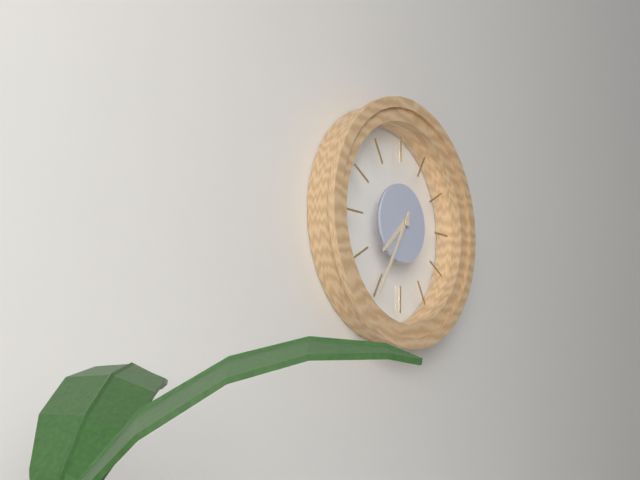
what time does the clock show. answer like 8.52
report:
7.35
